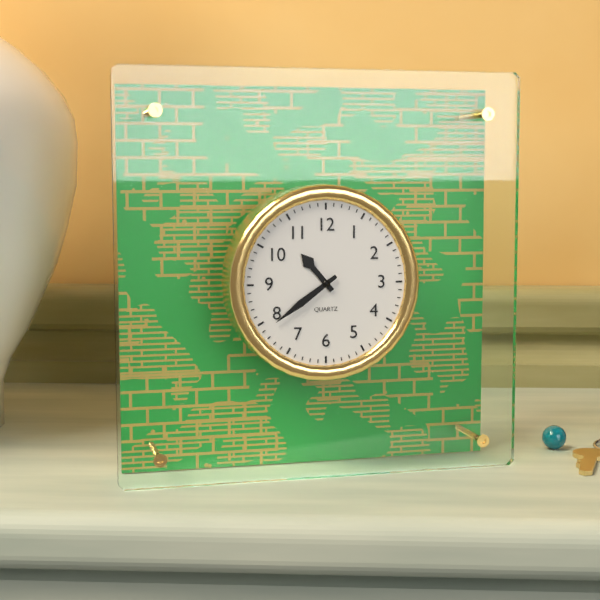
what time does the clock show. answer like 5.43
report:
10.39
